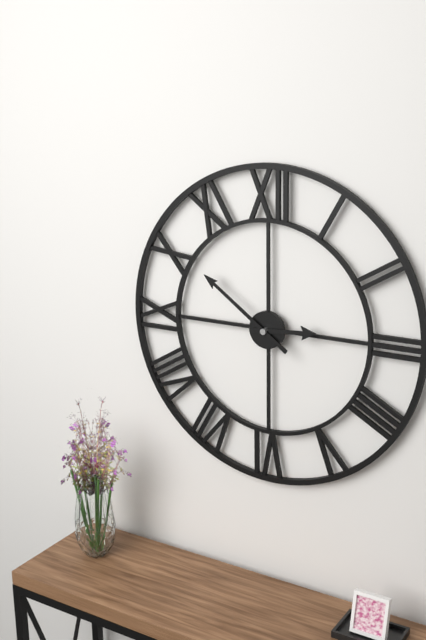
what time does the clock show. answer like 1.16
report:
2.51
